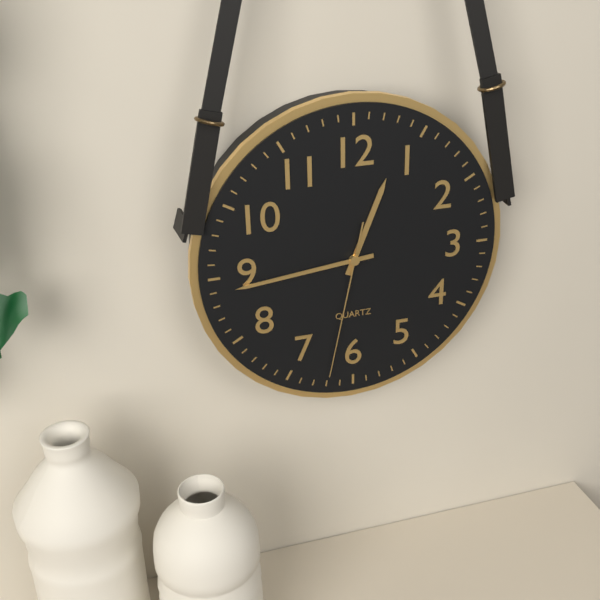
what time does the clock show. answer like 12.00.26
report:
12.44.32
